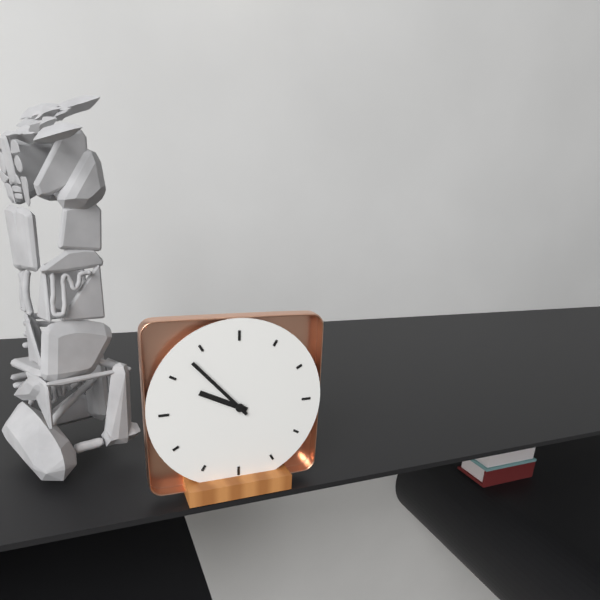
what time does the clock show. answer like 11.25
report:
9.53
